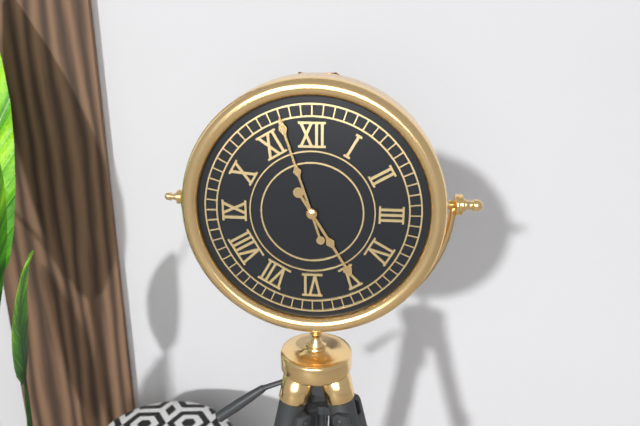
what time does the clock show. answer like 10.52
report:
4.57
